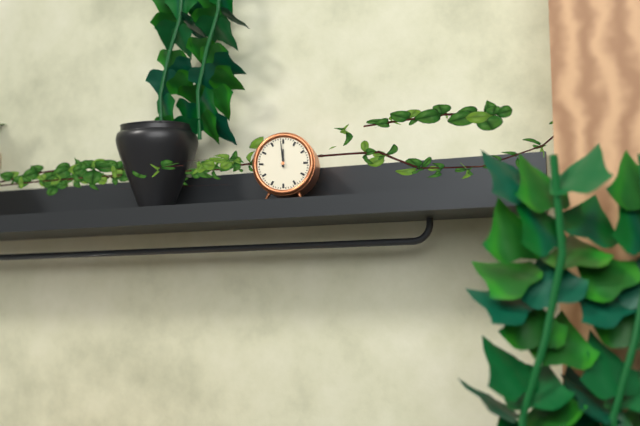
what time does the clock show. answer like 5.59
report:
11.59
